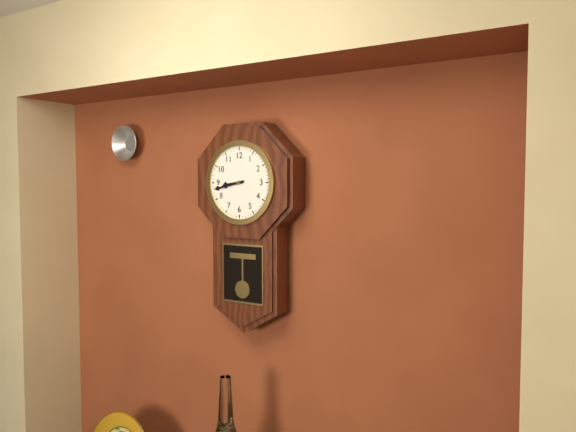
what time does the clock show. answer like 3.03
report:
8.43
